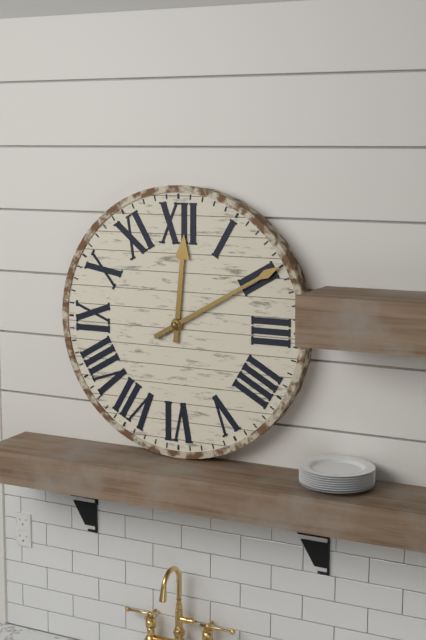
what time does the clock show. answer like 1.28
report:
12.10
